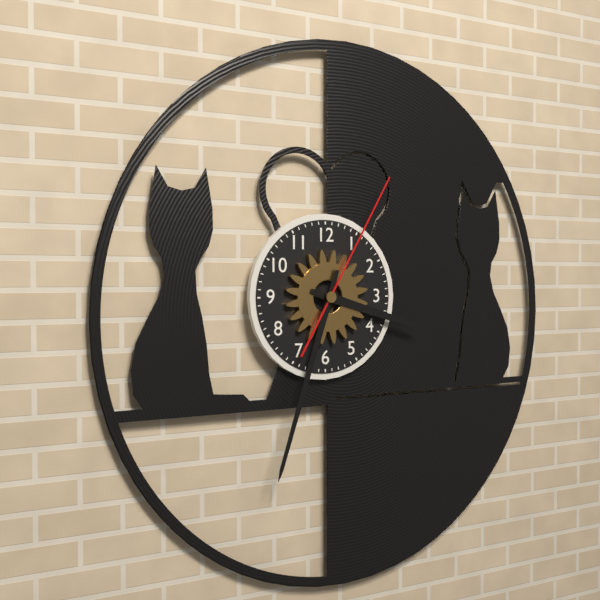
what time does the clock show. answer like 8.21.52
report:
3.33.05
